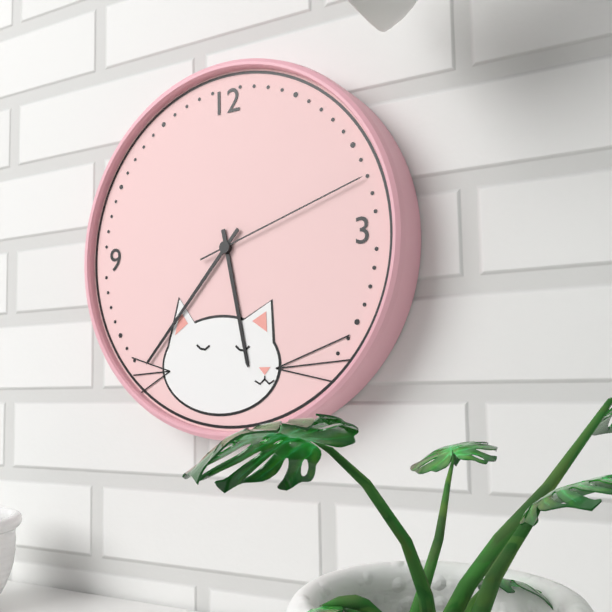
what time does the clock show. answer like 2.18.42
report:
5.37.12
